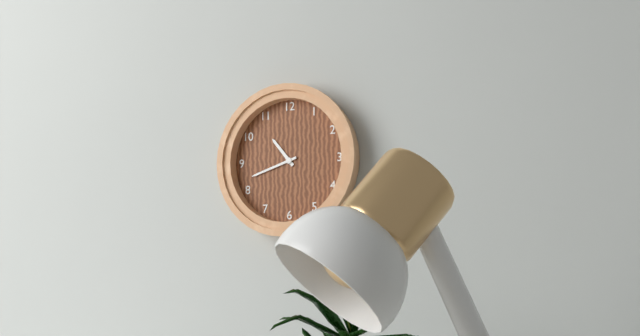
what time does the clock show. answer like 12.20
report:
10.42
